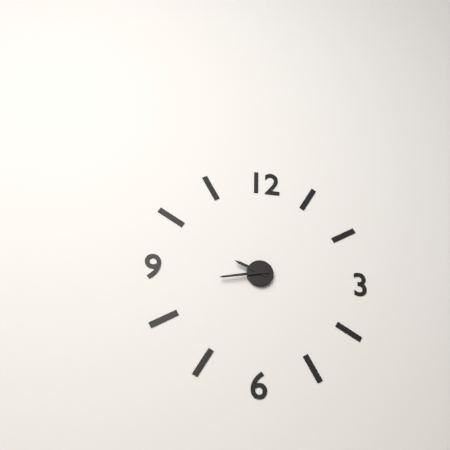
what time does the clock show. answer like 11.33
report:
9.43
